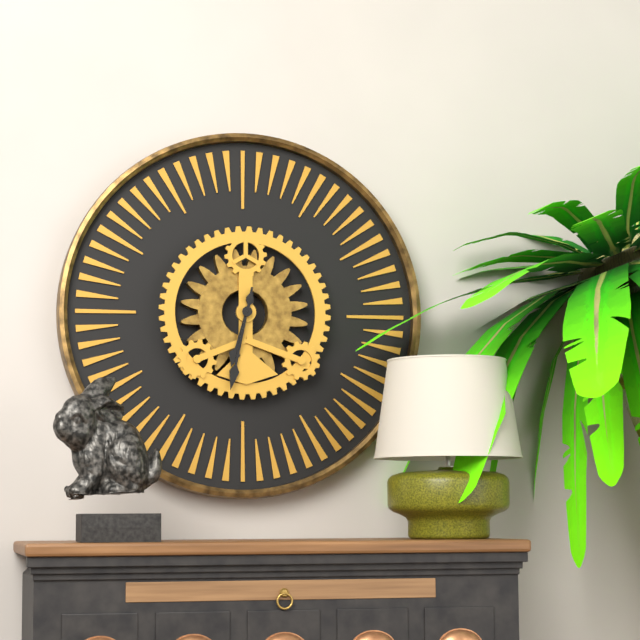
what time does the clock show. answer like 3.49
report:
6.32
